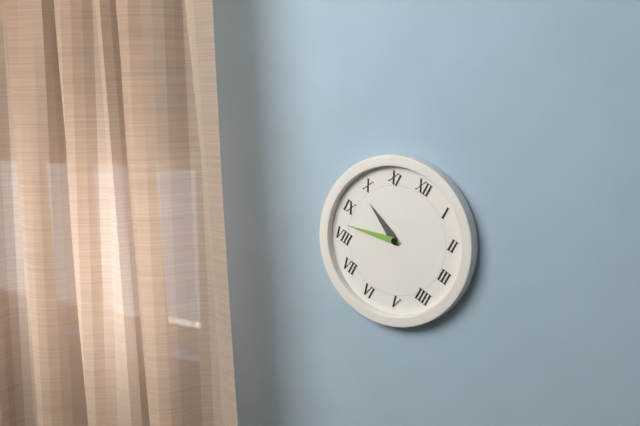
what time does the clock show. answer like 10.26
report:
9.42
